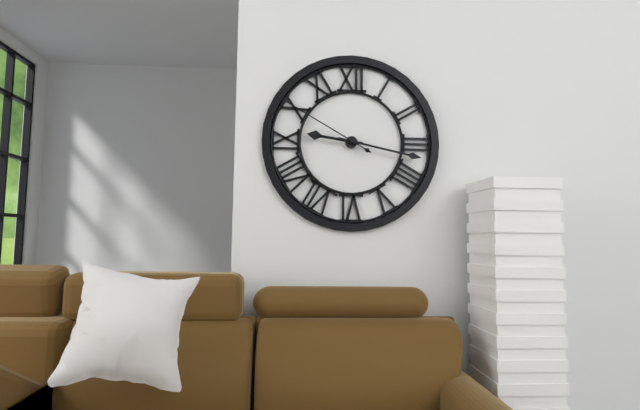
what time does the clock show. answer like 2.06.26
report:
9.17.50
